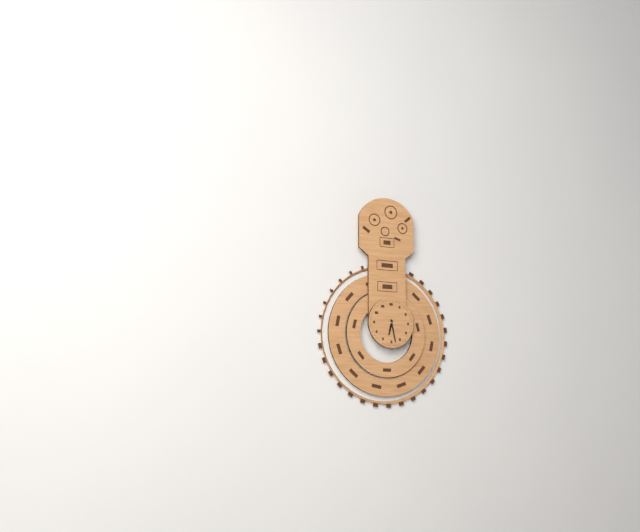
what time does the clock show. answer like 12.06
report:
6.28
